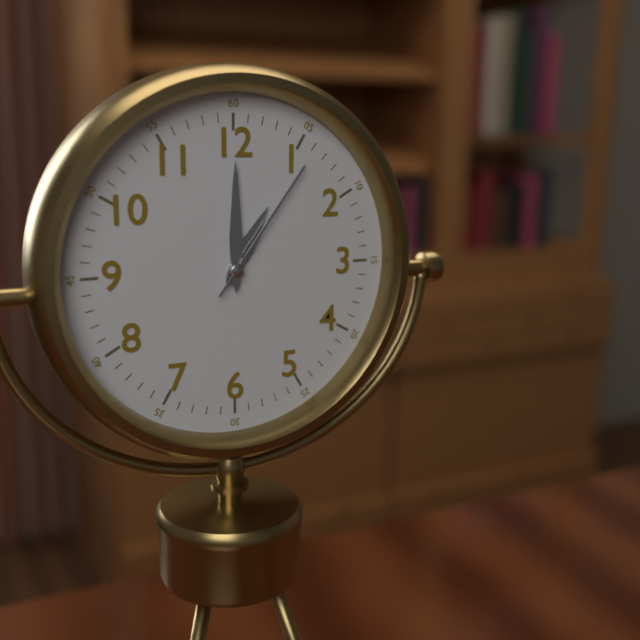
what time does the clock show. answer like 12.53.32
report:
1.00.06
